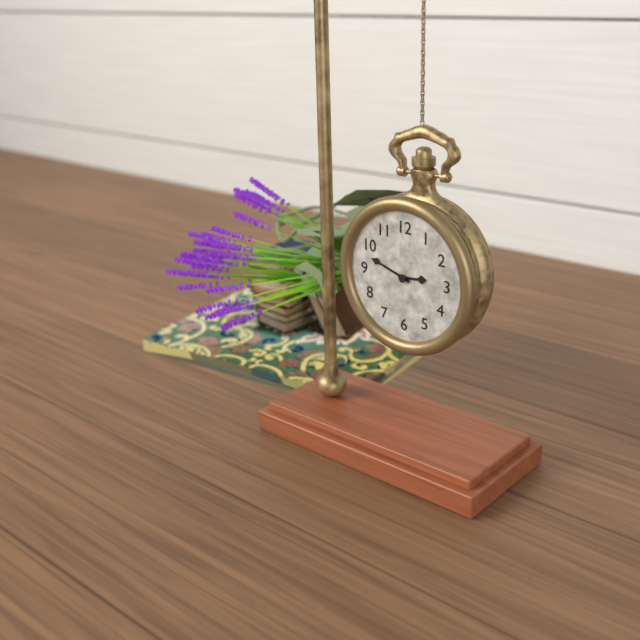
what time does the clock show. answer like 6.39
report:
2.48
